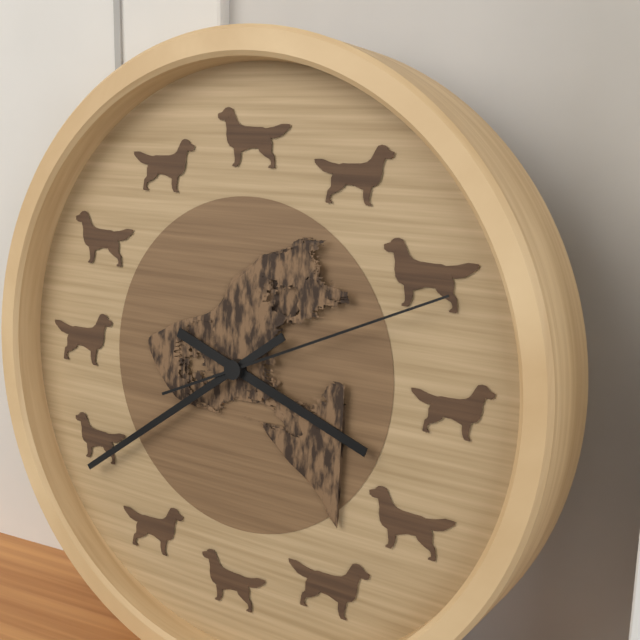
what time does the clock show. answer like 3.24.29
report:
3.39.11
